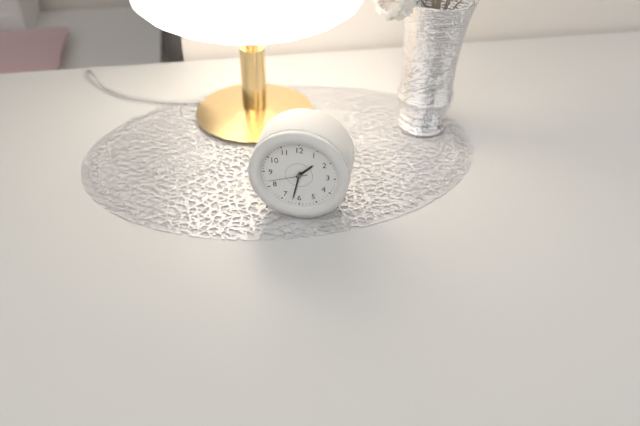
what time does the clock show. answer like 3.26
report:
1.32
